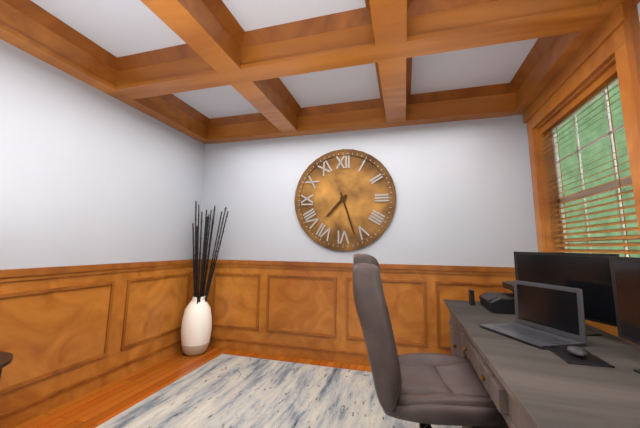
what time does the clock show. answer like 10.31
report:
7.27
